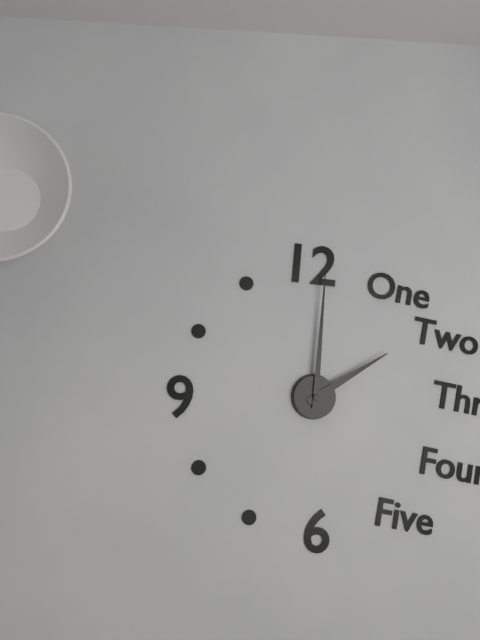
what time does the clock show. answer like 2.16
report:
2.01
